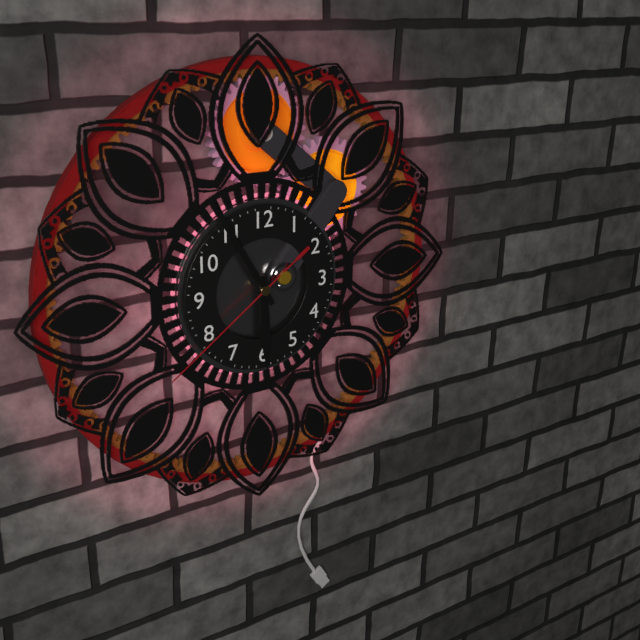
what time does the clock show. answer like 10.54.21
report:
5.55.39
